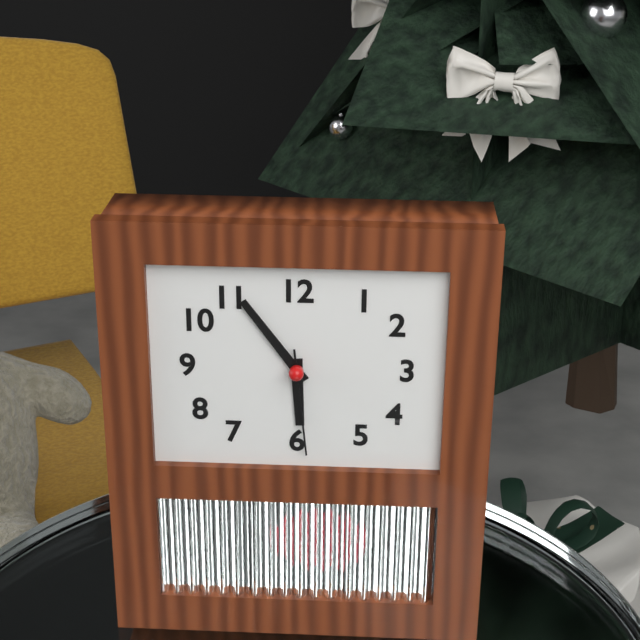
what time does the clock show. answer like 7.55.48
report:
5.54.29
